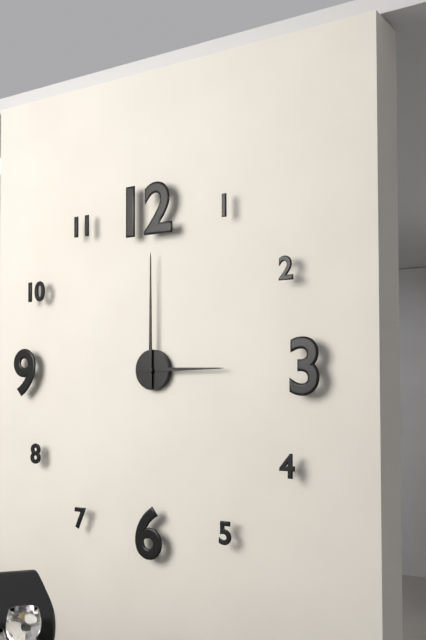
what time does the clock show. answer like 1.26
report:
3.00
